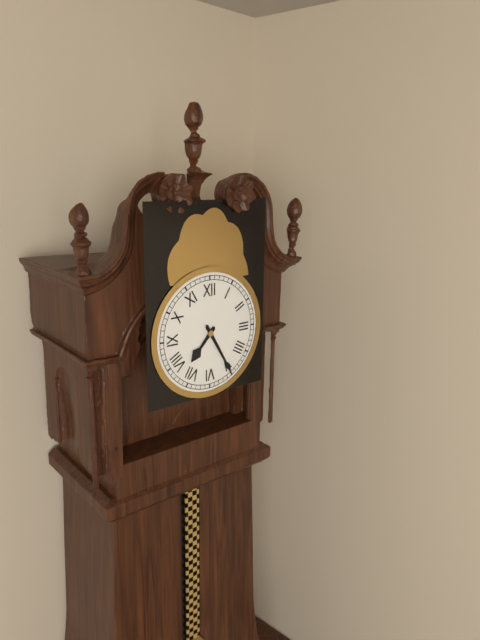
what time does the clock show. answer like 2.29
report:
7.25
